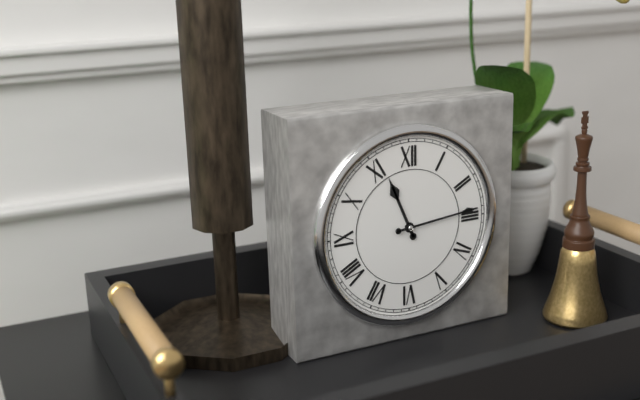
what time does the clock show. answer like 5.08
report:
11.14
